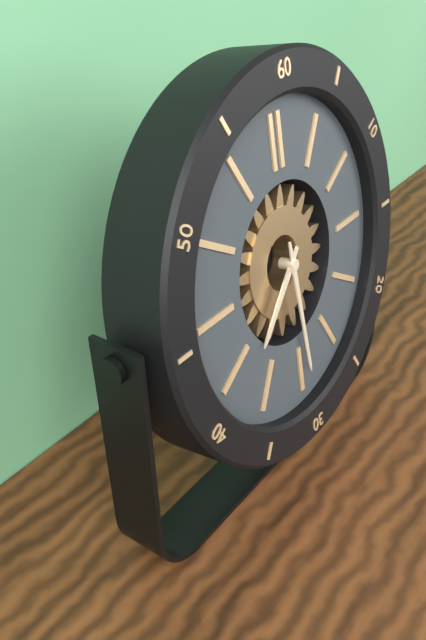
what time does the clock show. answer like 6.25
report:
7.29
